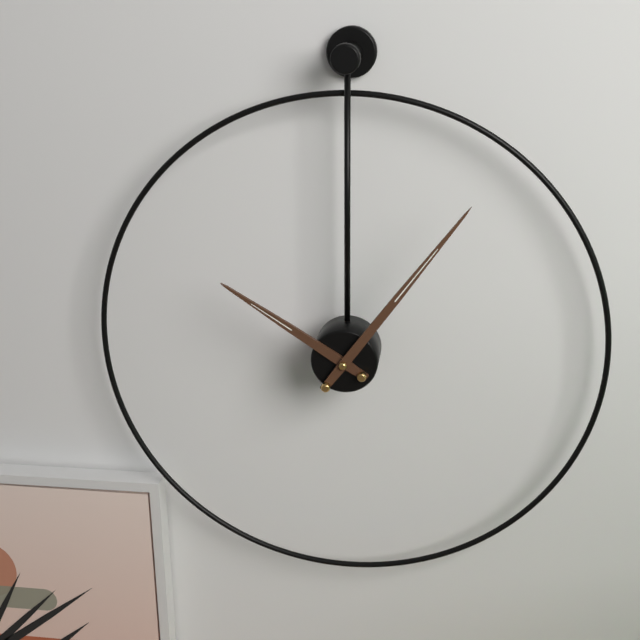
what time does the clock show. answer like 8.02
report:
10.06
